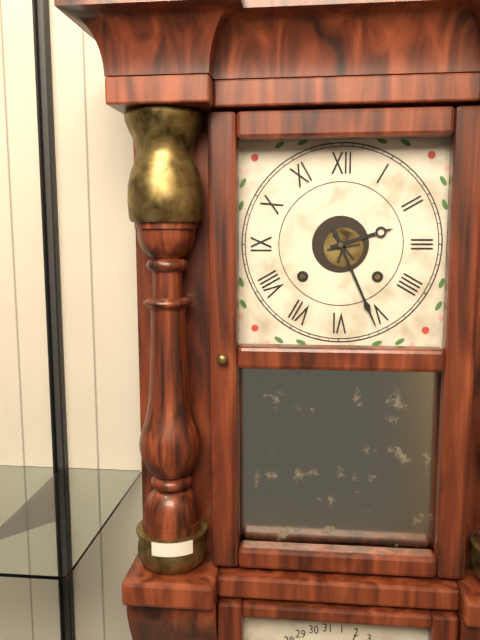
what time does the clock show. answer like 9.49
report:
2.26
